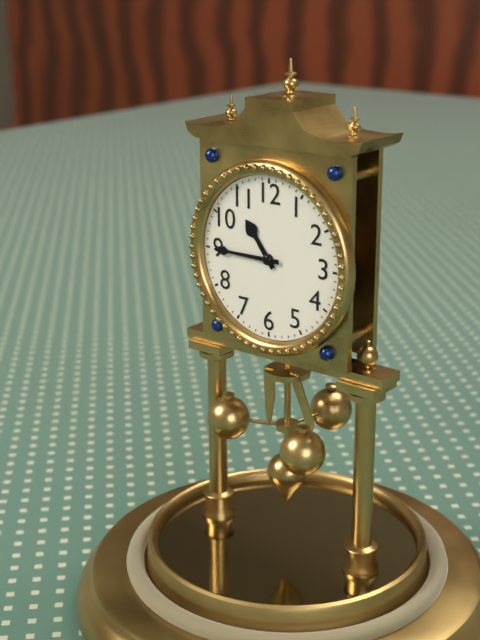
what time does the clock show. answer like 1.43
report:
10.45
